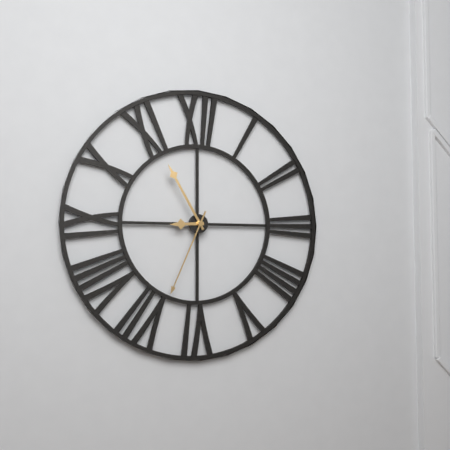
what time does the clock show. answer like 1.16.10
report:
8.55.34
